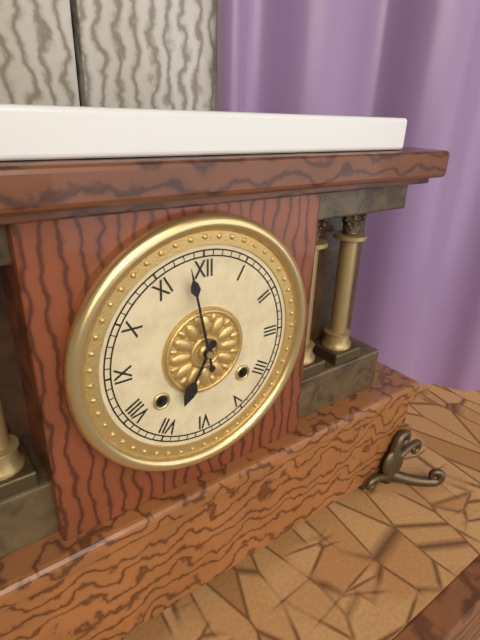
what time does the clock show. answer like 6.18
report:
6.58
